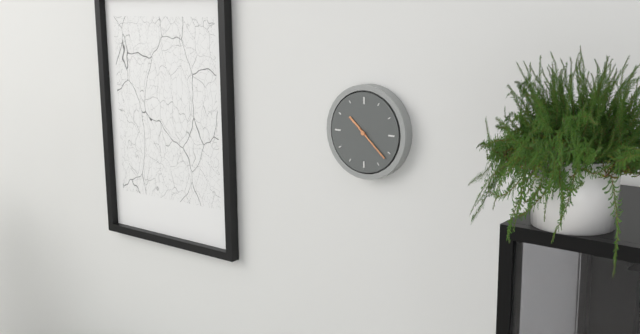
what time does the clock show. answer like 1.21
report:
10.22
